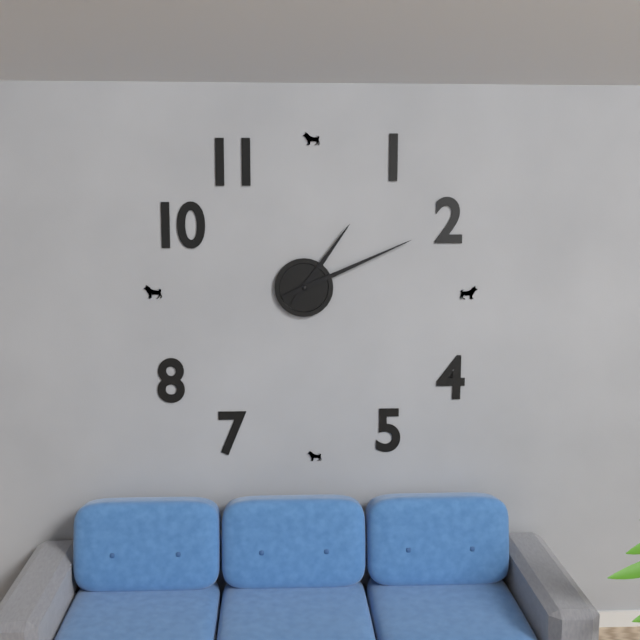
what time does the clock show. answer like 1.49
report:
1.11
